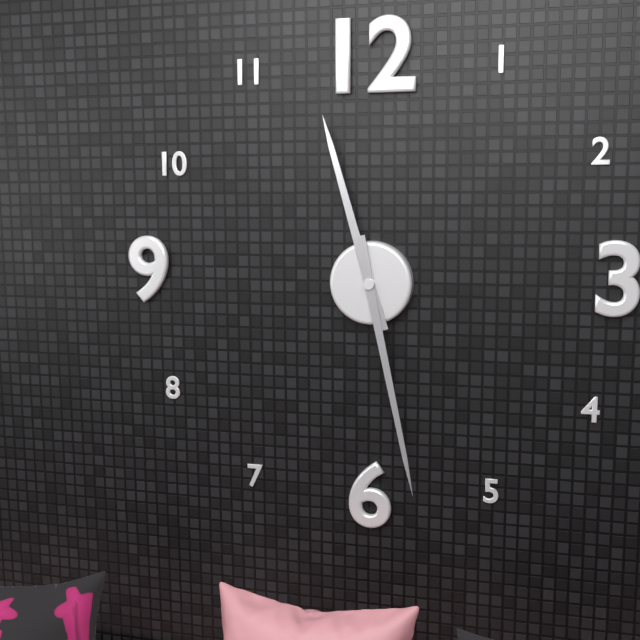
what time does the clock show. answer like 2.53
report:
11.28
